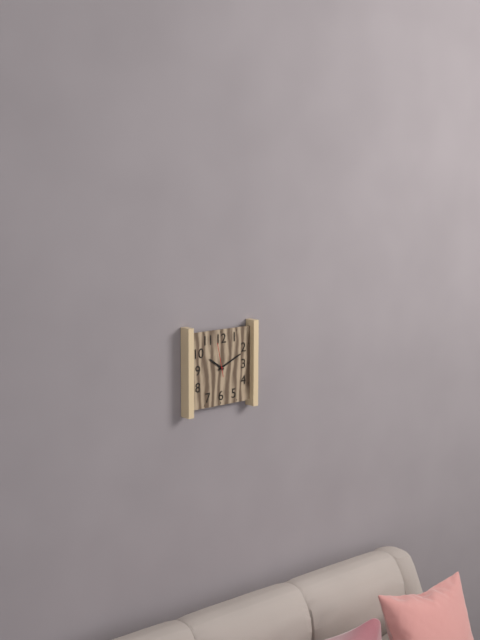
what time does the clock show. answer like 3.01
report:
10.11
